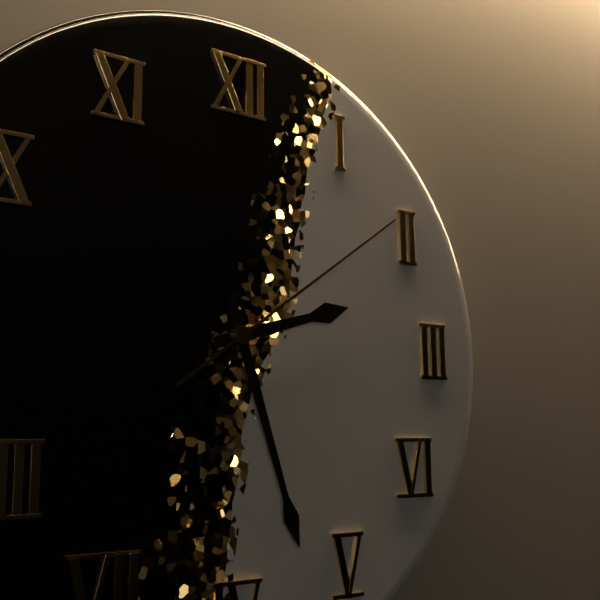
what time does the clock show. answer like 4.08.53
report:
2.27.09
